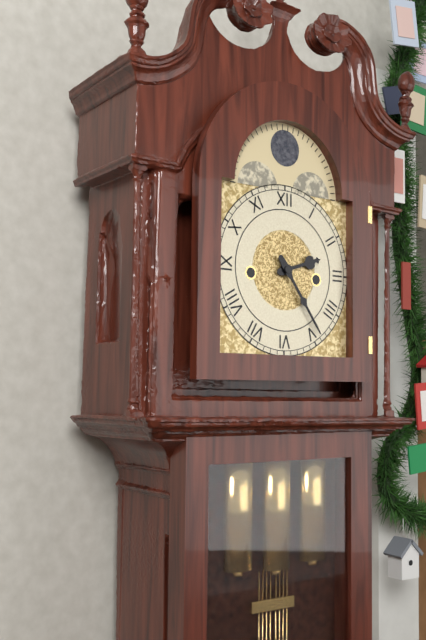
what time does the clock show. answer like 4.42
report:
2.24
